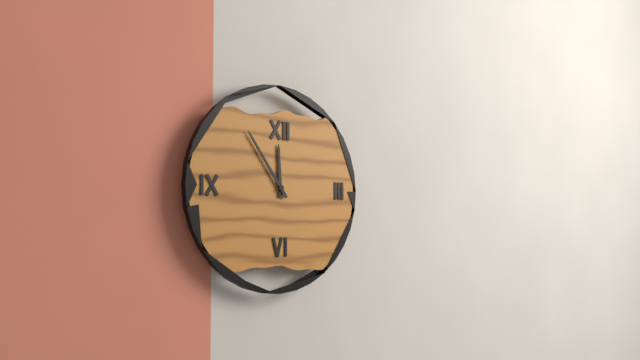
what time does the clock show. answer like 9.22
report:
11.54
